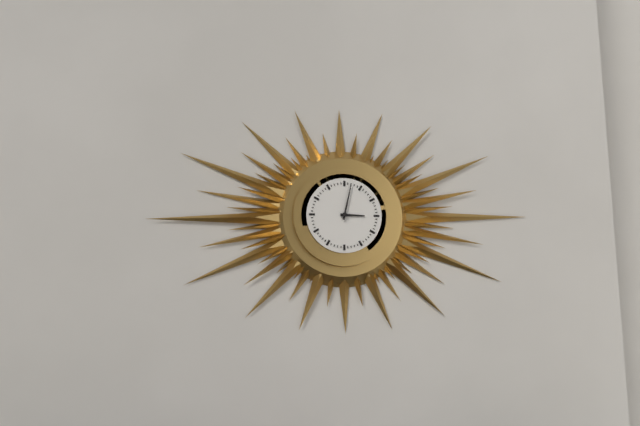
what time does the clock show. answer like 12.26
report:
3.02
